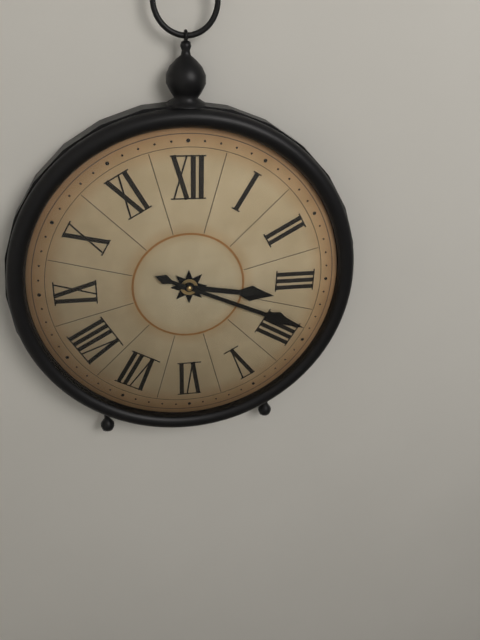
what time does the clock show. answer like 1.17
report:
3.19
